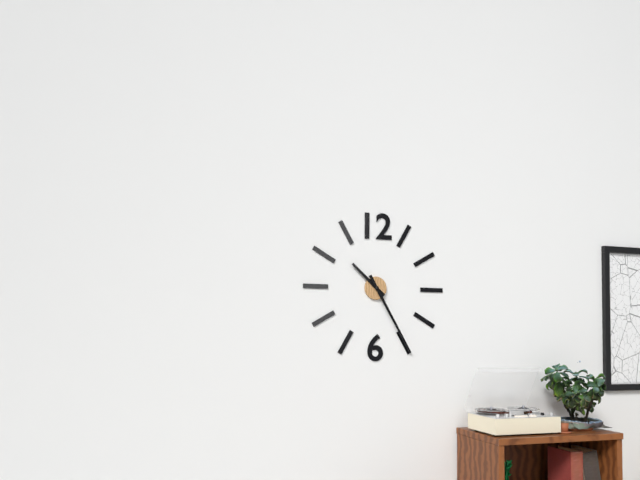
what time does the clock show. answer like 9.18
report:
10.25
